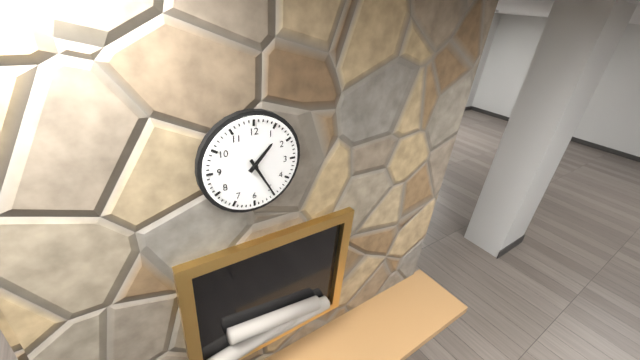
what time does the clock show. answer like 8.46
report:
1.25
